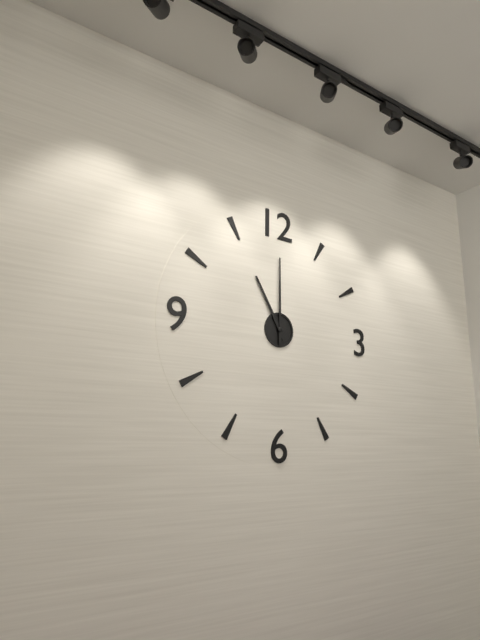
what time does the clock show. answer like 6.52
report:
11.00
